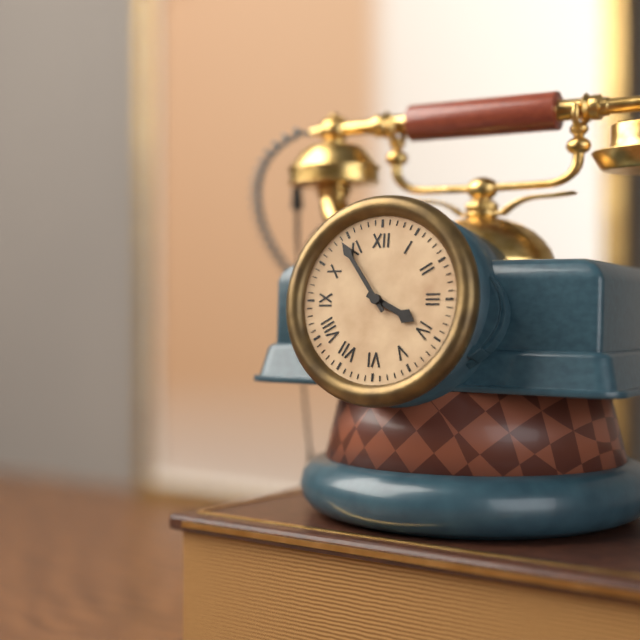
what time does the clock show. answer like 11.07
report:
3.54
